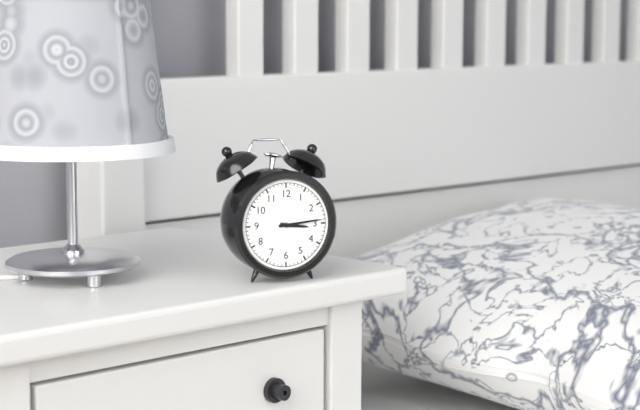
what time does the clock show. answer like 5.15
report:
3.14
